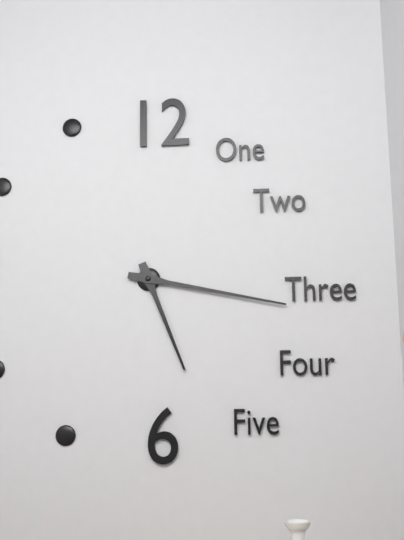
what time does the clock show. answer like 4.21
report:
5.17
